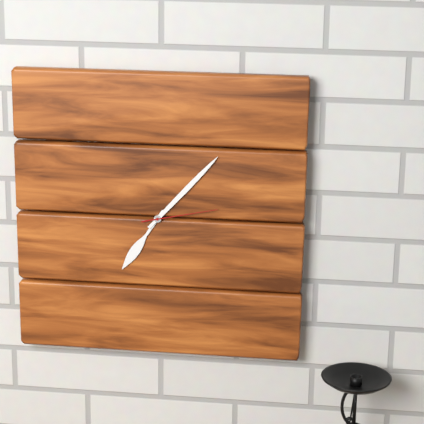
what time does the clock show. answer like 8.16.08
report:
7.07.13
